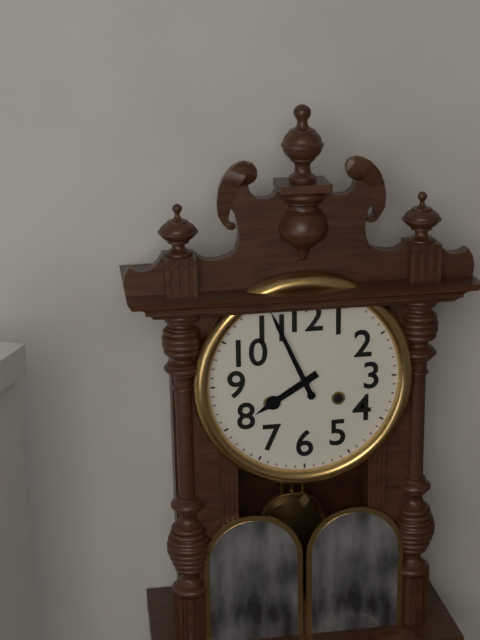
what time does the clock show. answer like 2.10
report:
7.56
